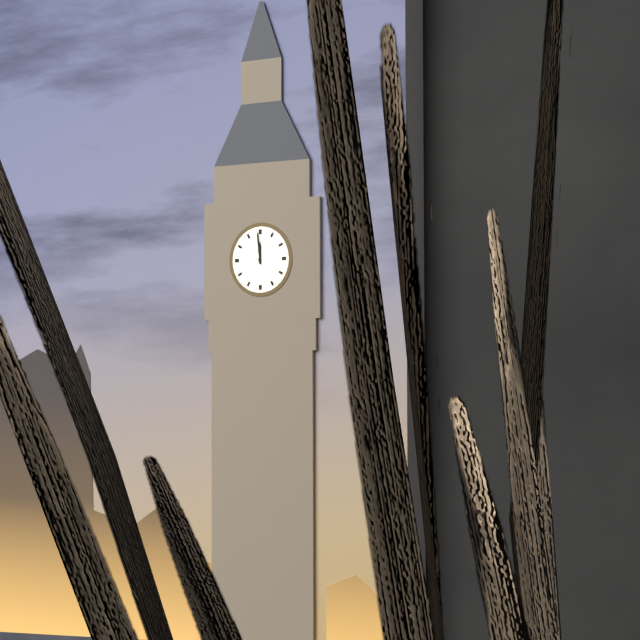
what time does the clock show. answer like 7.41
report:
11.59
